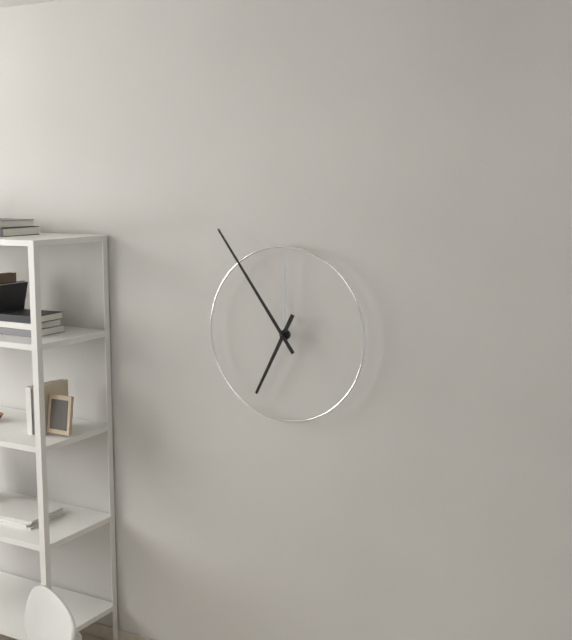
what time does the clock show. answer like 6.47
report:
6.54
